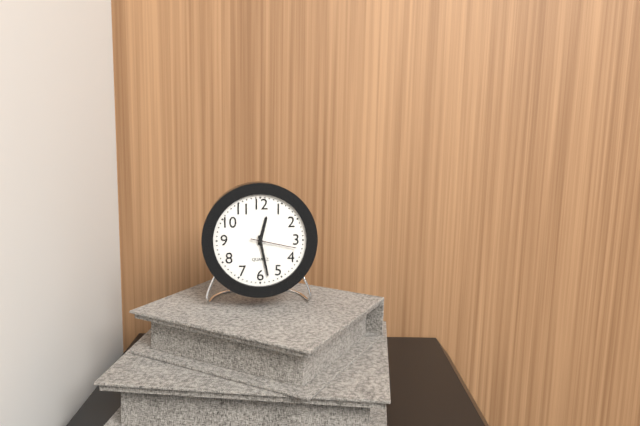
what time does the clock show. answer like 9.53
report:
12.28
